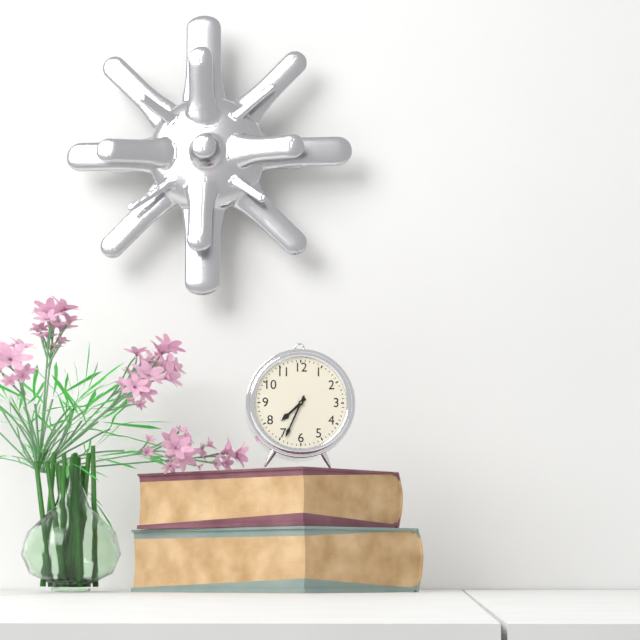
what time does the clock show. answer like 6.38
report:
7.34
